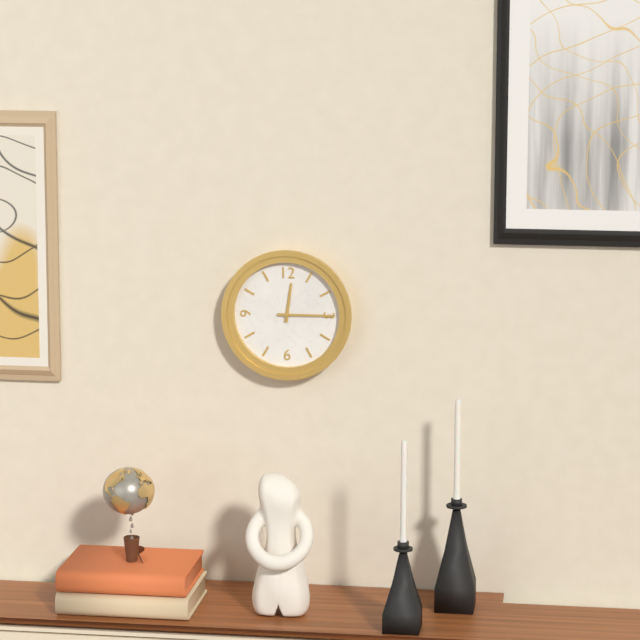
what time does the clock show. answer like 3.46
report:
12.15
